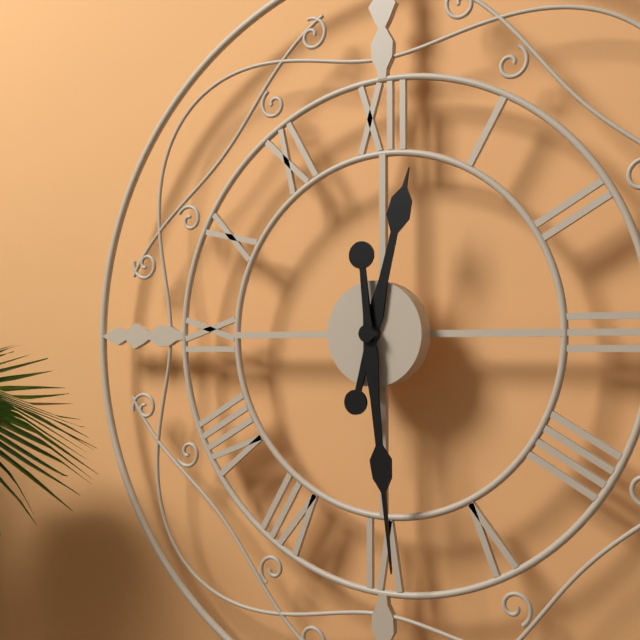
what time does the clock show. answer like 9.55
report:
12.29
